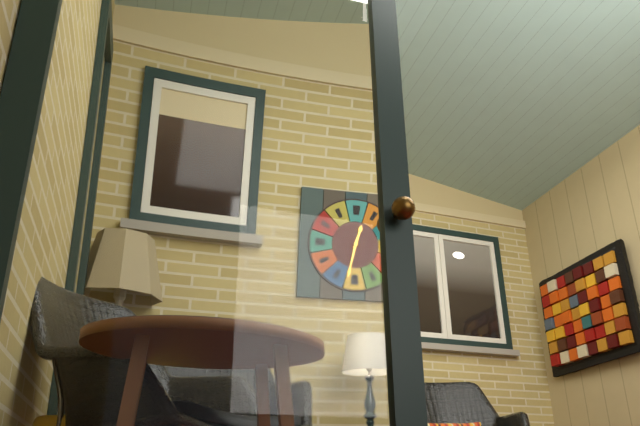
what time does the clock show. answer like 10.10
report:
12.32
